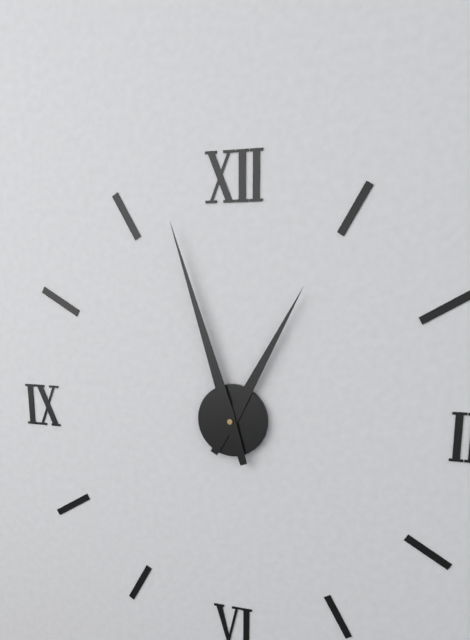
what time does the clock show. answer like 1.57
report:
12.57
